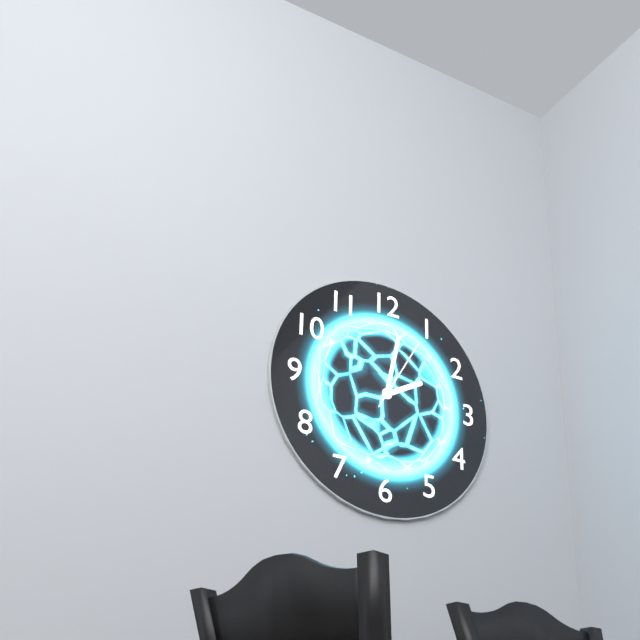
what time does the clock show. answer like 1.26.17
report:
2.02.05
